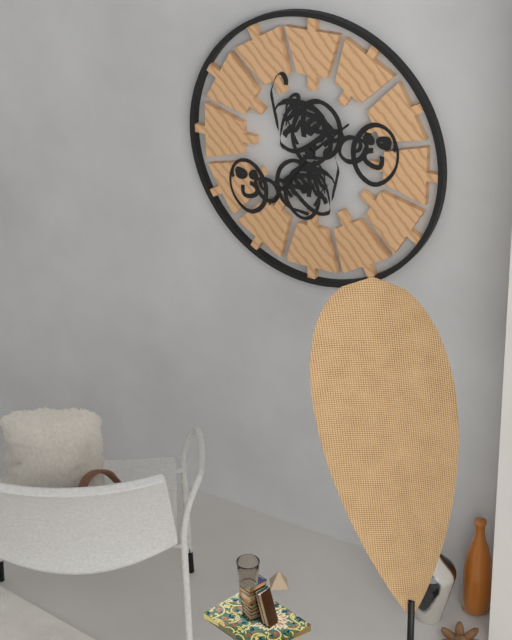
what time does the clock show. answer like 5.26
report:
1.36
